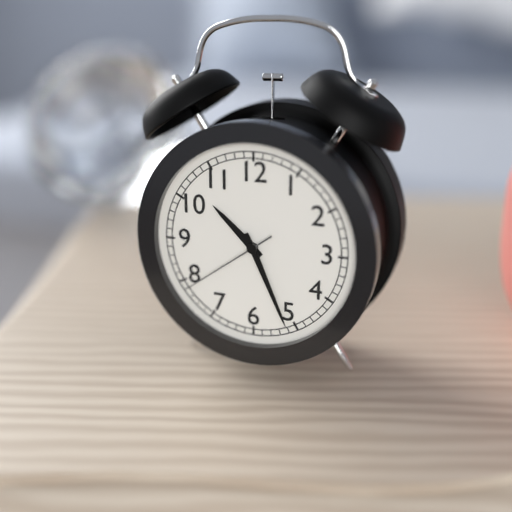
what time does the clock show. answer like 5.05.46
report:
10.26.39
